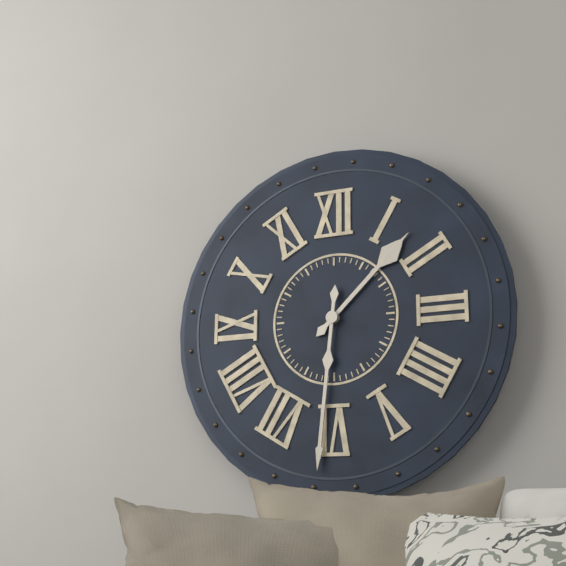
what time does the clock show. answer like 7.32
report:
1.31
